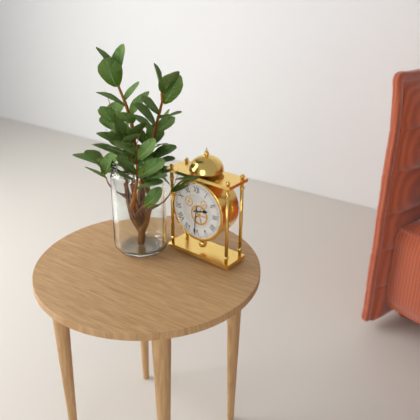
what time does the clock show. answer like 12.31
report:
2.31
